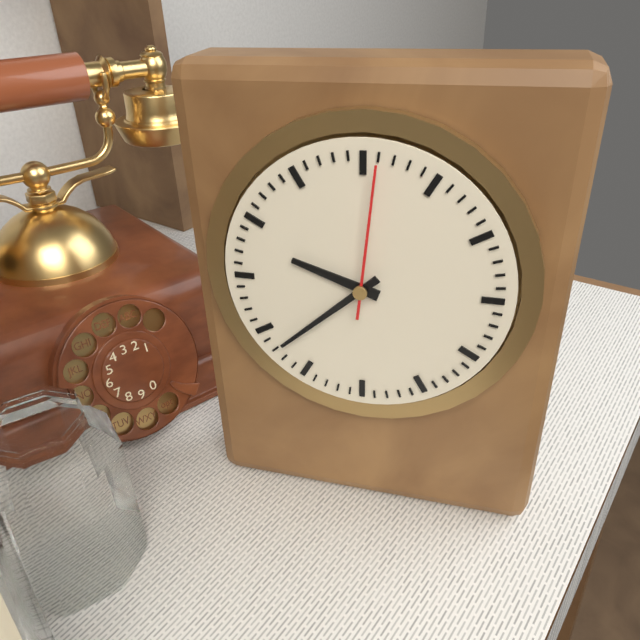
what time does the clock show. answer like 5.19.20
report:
9.38.01
